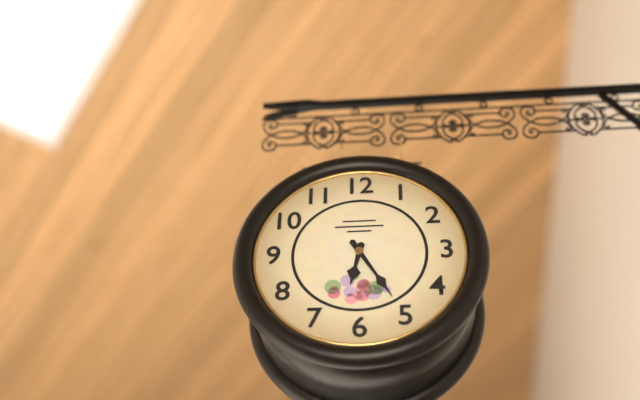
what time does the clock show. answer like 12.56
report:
6.25
